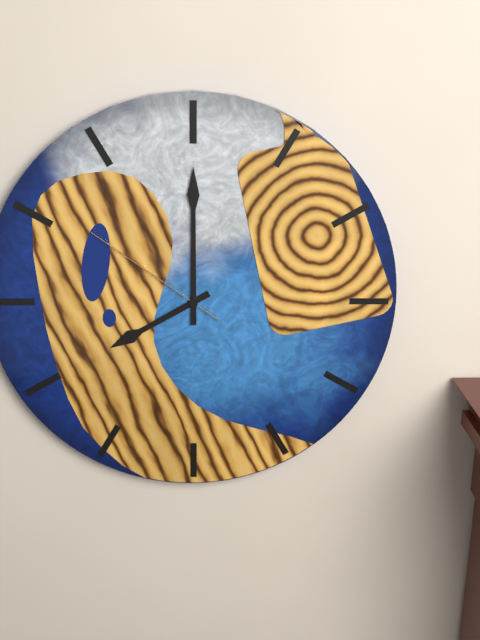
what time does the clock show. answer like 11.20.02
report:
8.00.51
